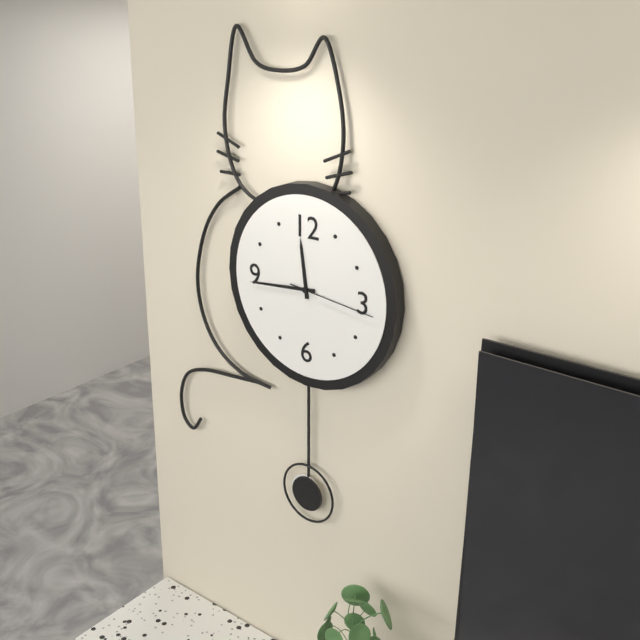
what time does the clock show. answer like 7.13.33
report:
11.44.16
